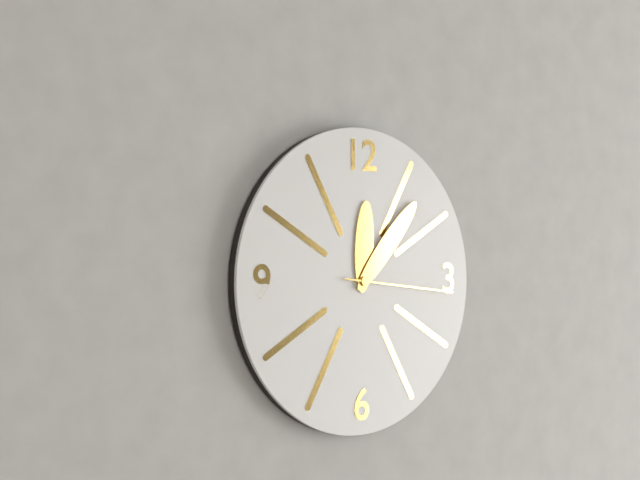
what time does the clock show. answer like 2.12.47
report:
12.07.16
